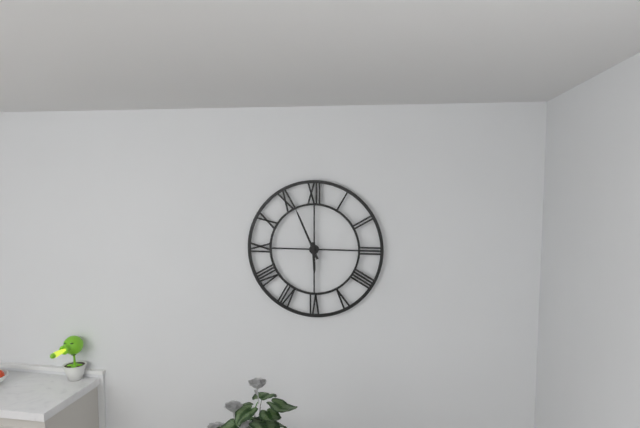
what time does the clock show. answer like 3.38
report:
5.56
